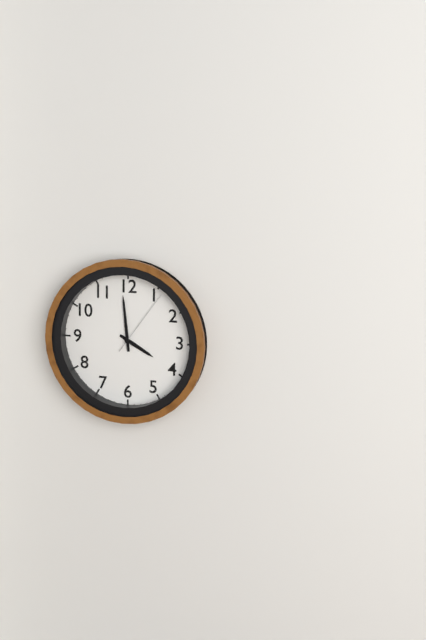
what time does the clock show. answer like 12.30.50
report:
3.59.06
